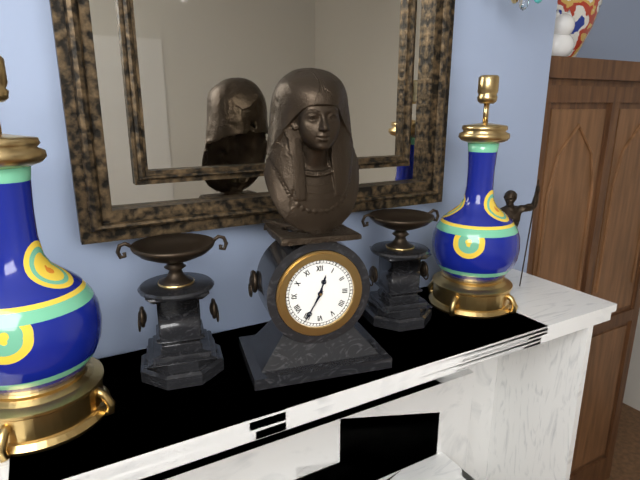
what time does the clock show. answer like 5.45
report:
12.35
